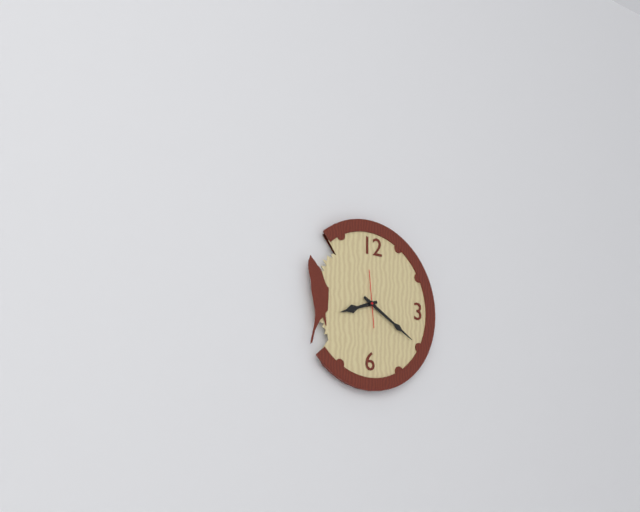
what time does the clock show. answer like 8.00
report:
8.20
